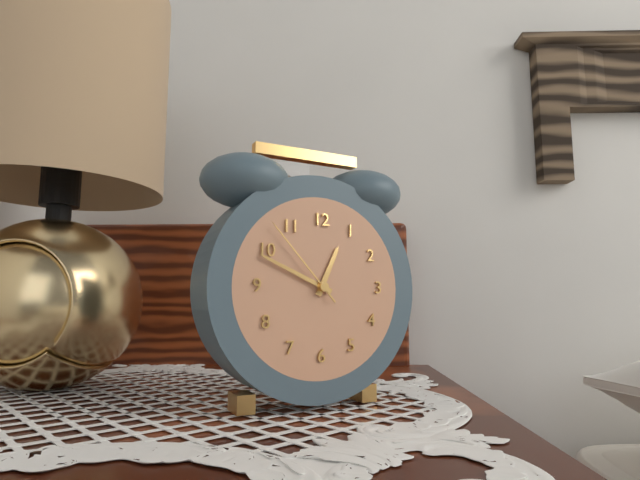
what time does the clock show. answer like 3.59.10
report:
12.49.53
